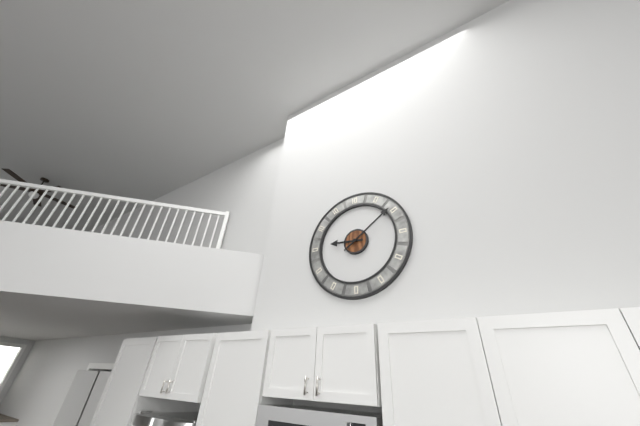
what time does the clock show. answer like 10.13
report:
9.09
